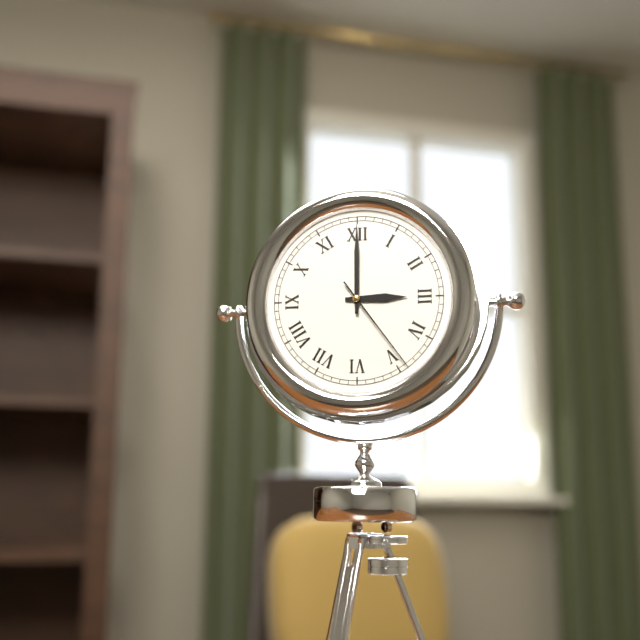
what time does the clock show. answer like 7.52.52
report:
3.00.24
